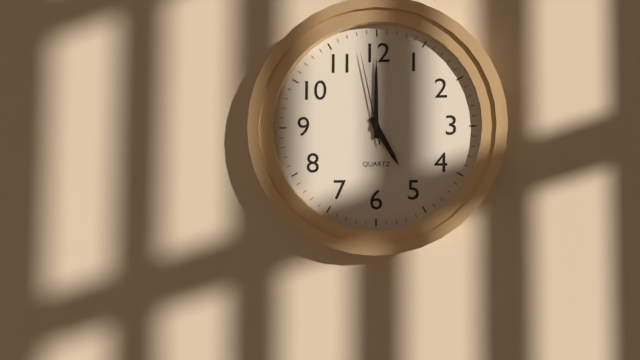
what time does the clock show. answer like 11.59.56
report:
5.00.58
